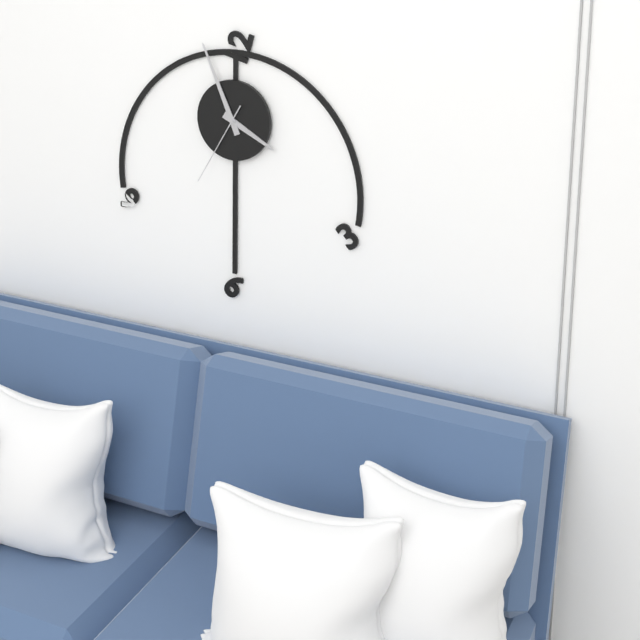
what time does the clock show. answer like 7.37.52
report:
3.56.35
